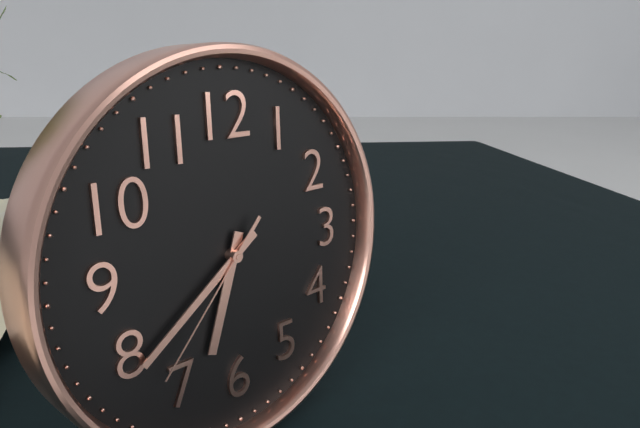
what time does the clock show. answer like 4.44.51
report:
6.39.37
